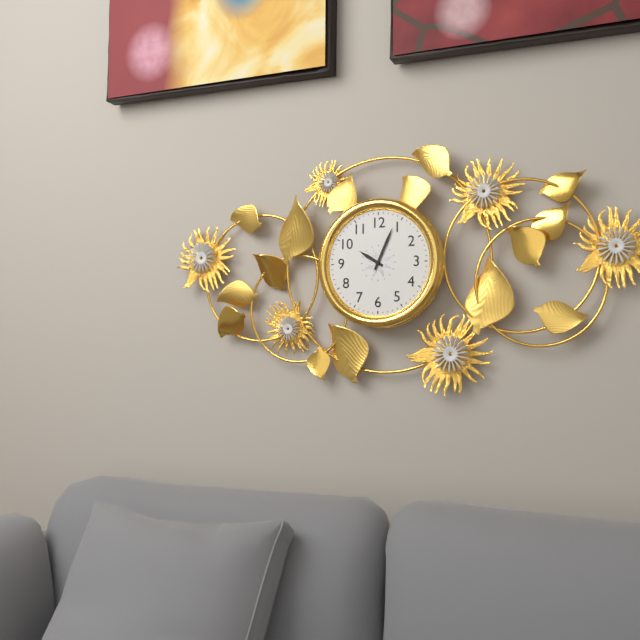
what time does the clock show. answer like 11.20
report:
10.04
